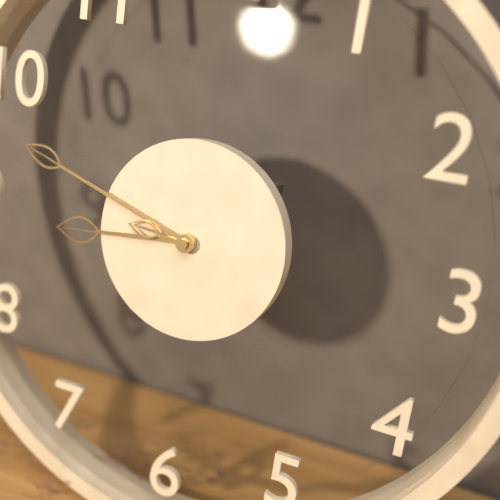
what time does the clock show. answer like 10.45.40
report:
8.48.46
